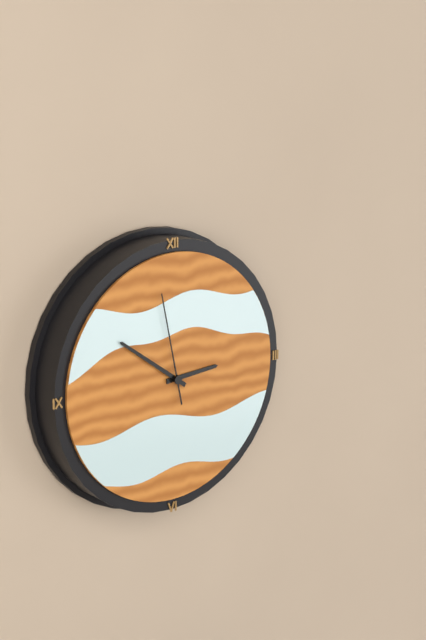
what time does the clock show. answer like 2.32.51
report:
2.51.58
